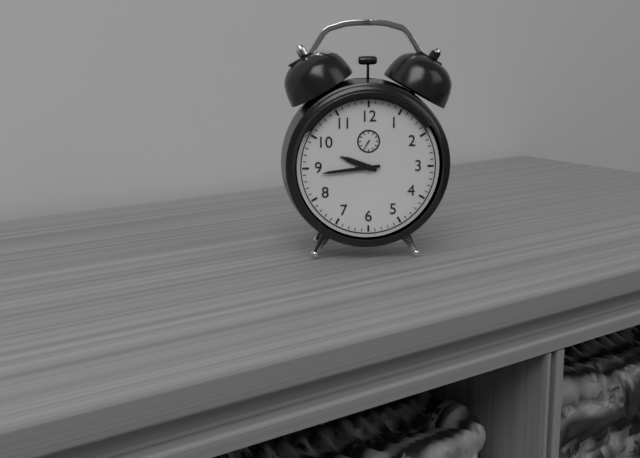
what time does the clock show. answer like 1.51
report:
9.44
